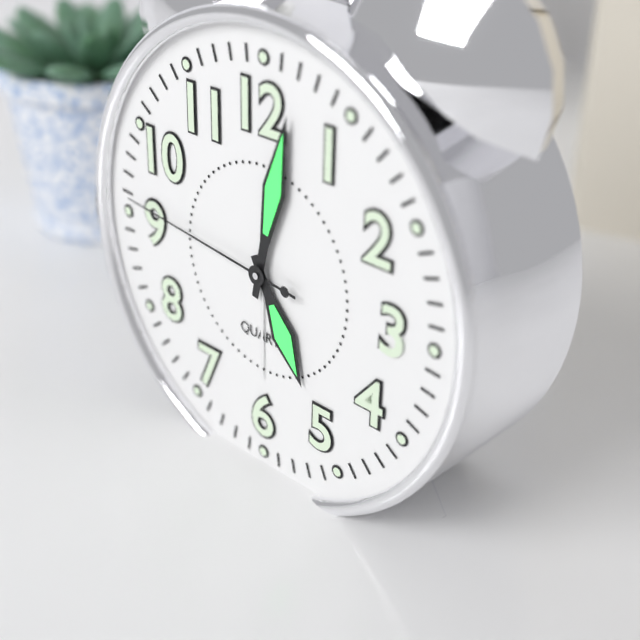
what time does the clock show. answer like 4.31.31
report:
5.02.46
